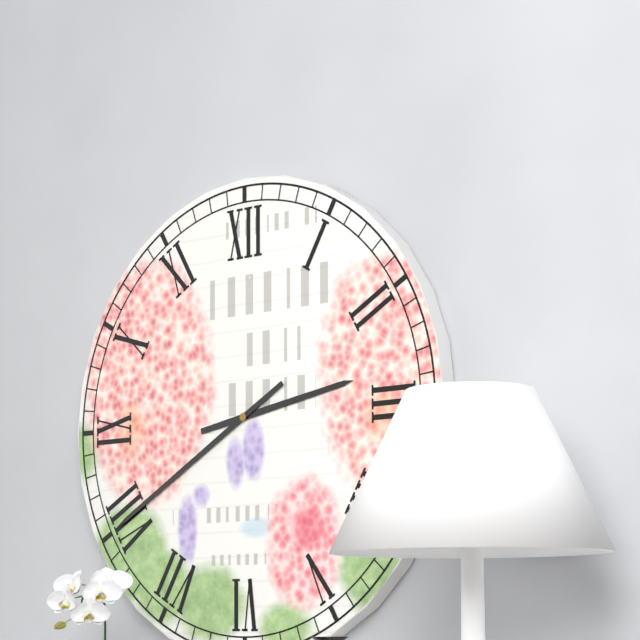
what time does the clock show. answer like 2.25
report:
2.40
